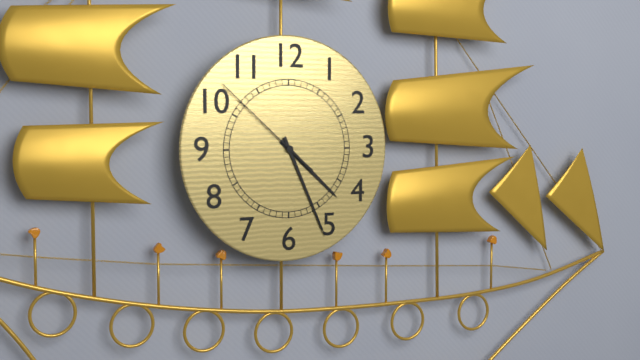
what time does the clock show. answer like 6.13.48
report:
4.26.52
